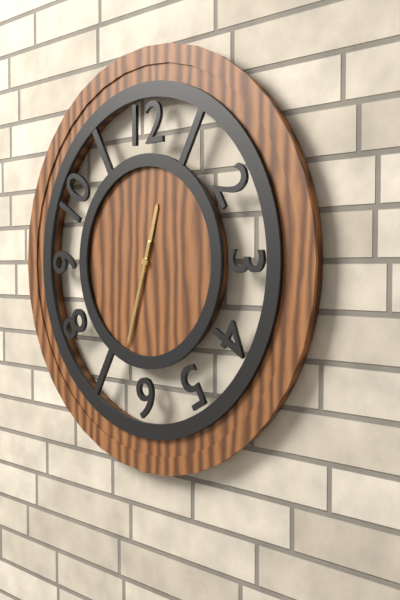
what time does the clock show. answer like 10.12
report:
12.33
